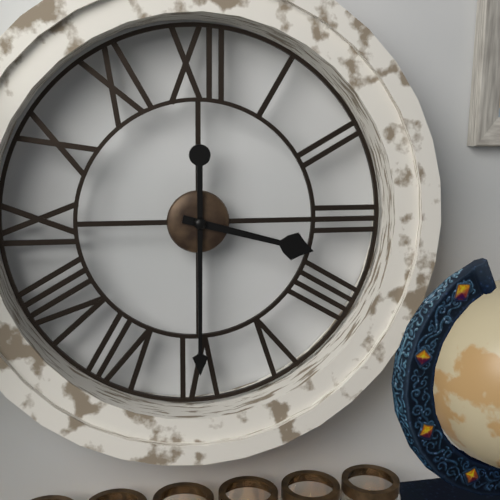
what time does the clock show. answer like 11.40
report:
3.30
